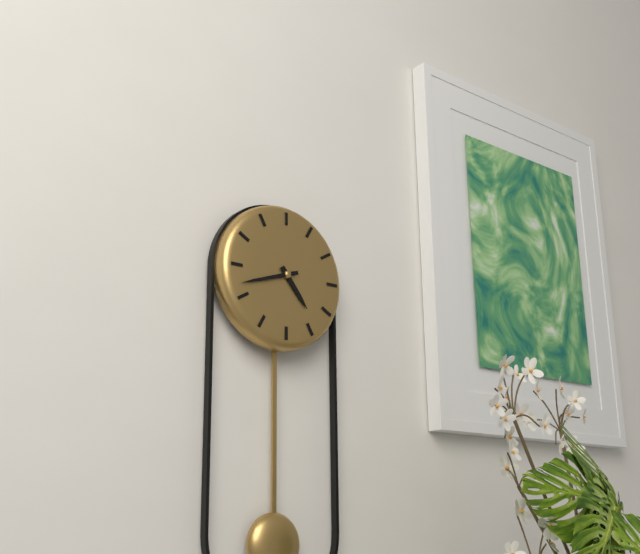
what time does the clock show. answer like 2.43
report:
4.42
